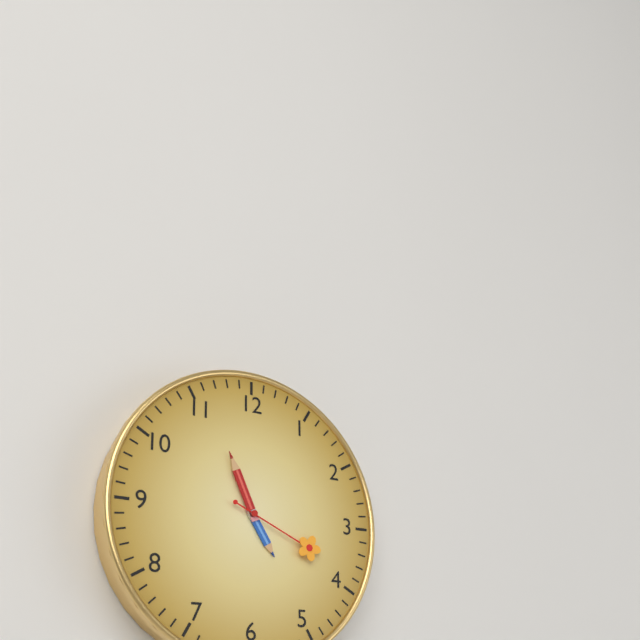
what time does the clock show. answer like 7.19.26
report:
4.56.19
